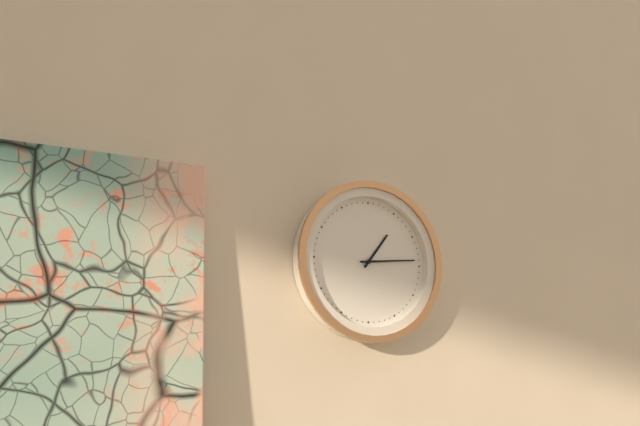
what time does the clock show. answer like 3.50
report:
1.14
